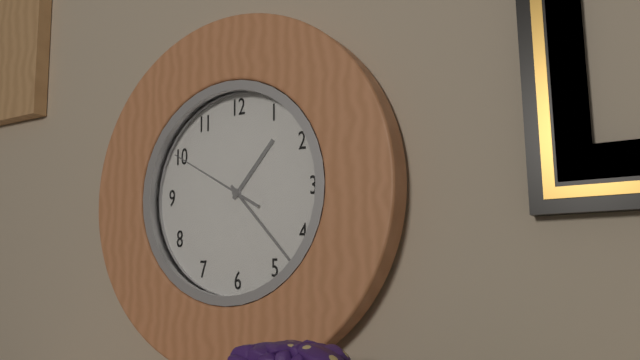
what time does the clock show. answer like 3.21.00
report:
1.23.50
